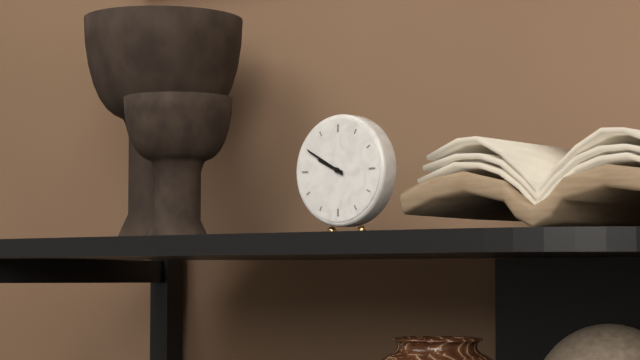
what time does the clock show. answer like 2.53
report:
9.50
